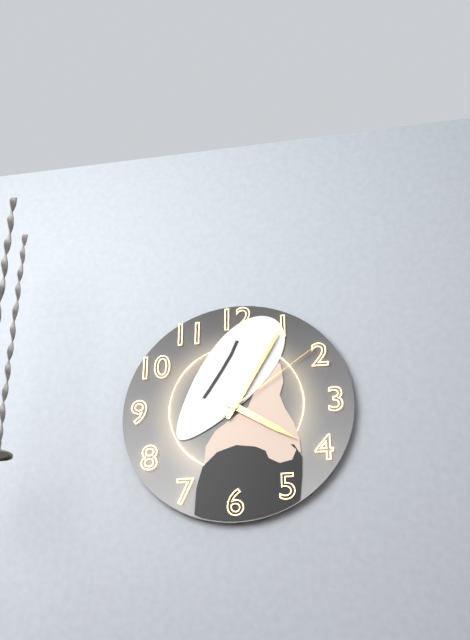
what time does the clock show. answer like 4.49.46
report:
4.05.09
